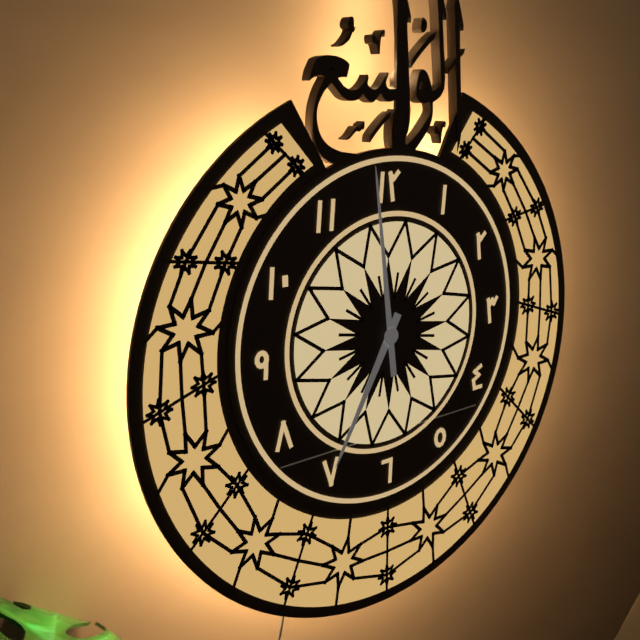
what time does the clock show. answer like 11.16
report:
6.59
